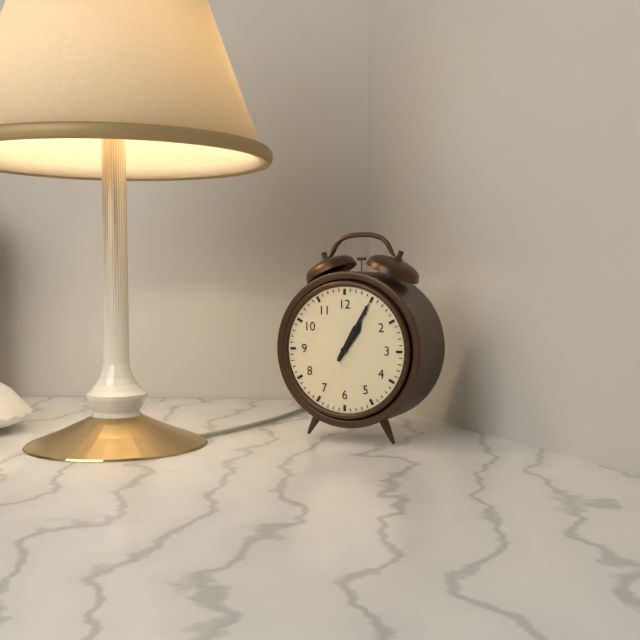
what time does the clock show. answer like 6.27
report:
1.05
